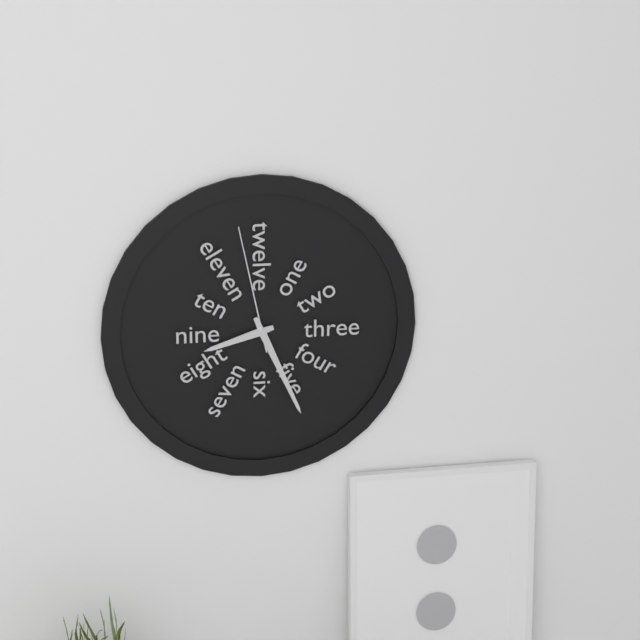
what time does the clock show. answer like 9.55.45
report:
8.26.58
